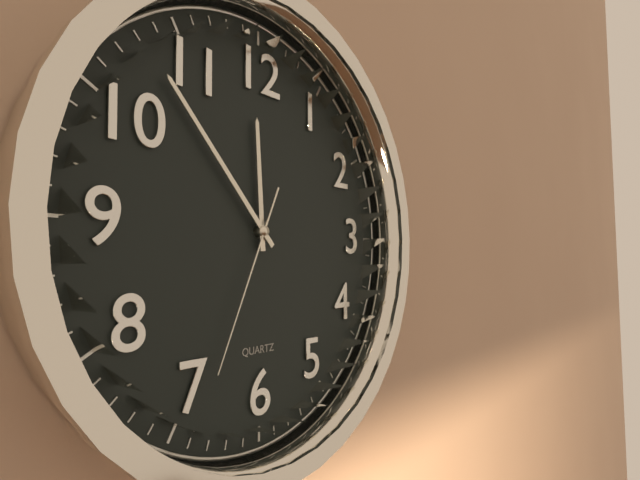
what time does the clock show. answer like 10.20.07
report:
11.53.34
